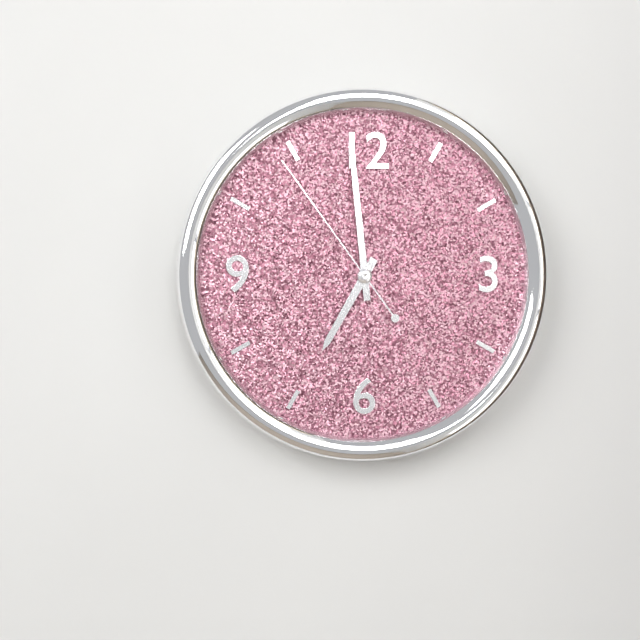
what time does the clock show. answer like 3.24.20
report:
6.59.54
